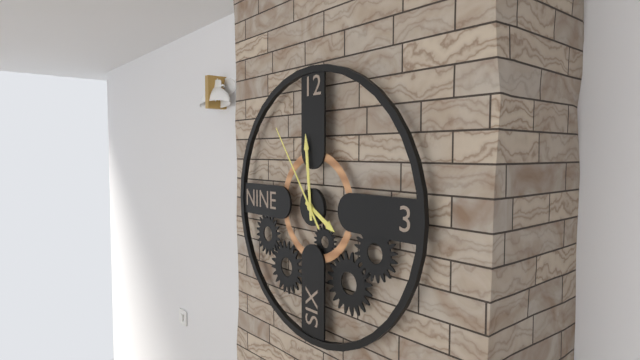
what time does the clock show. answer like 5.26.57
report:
3.59.54
